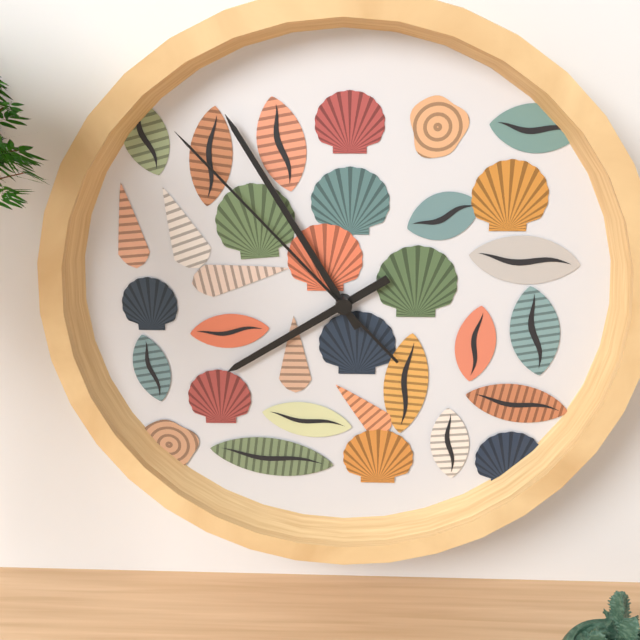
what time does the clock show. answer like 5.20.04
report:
7.55.53
